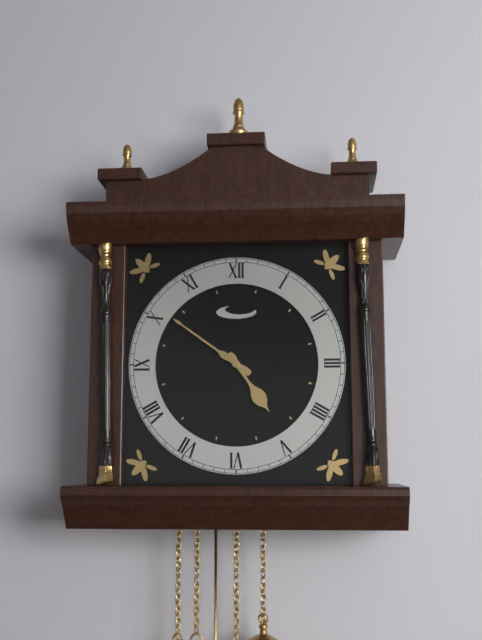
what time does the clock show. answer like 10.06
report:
4.51
